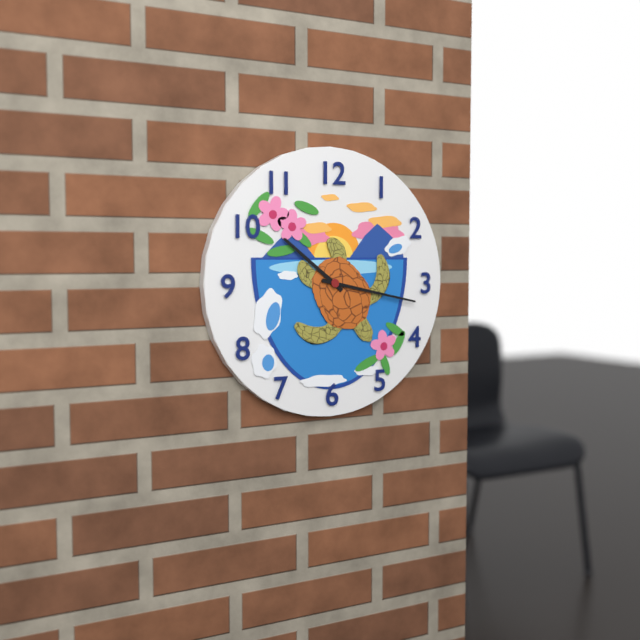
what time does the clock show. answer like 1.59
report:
10.17
